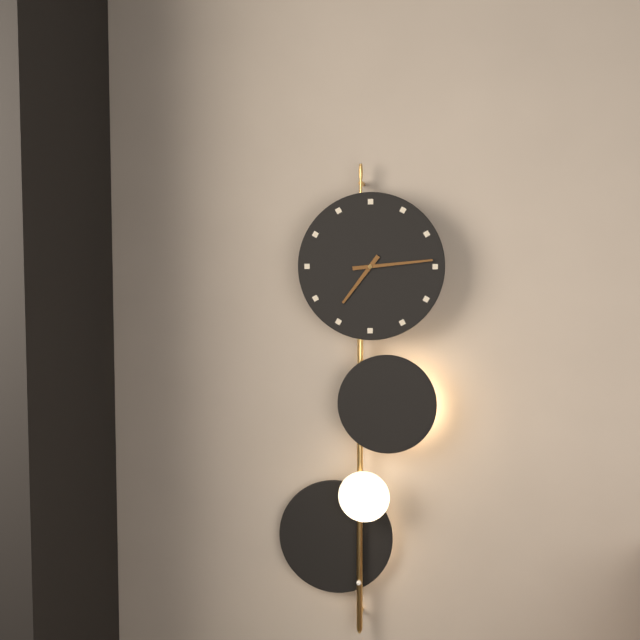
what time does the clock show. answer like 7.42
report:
7.14
